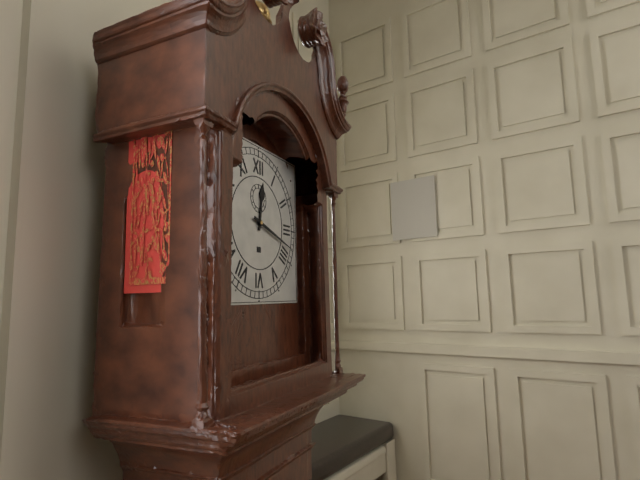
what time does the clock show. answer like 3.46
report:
12.18
